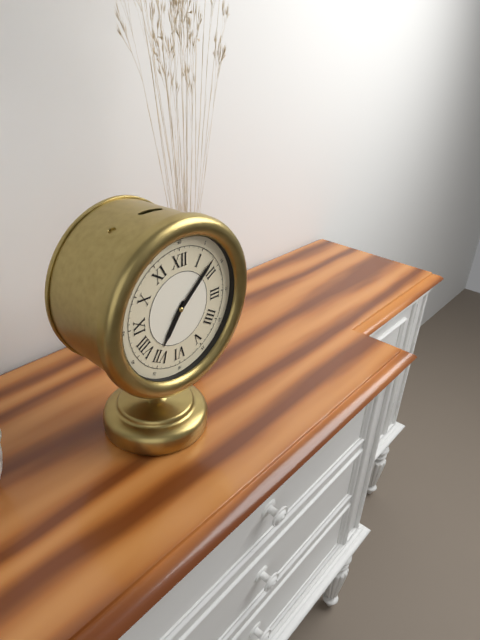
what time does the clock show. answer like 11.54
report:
7.08
